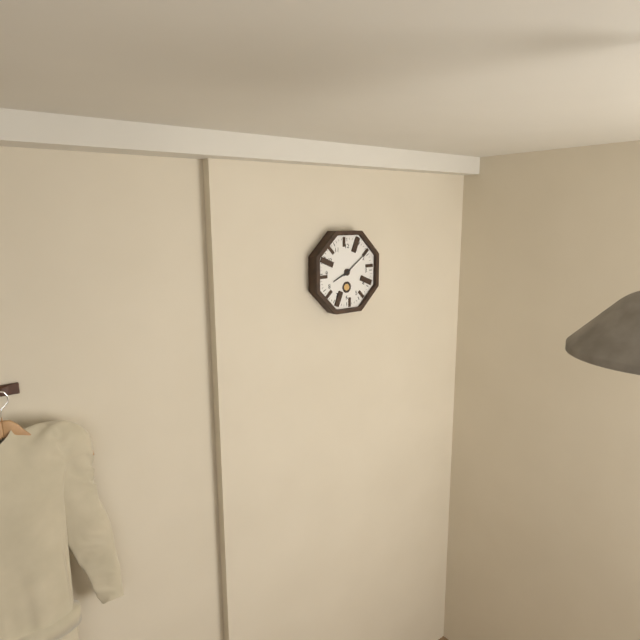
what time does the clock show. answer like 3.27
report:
8.09
